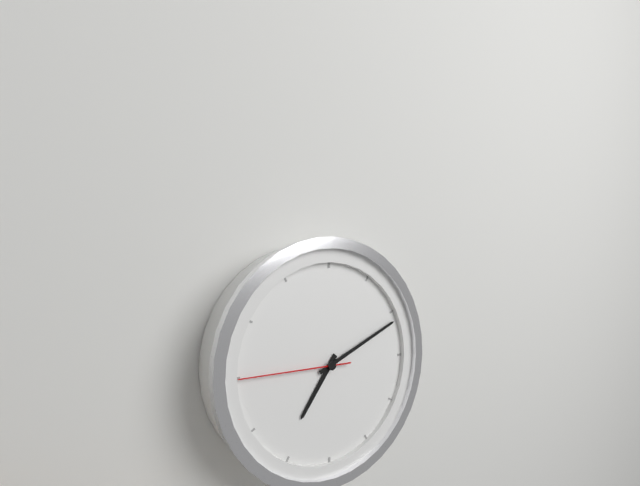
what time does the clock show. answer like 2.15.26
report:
7.11.45
